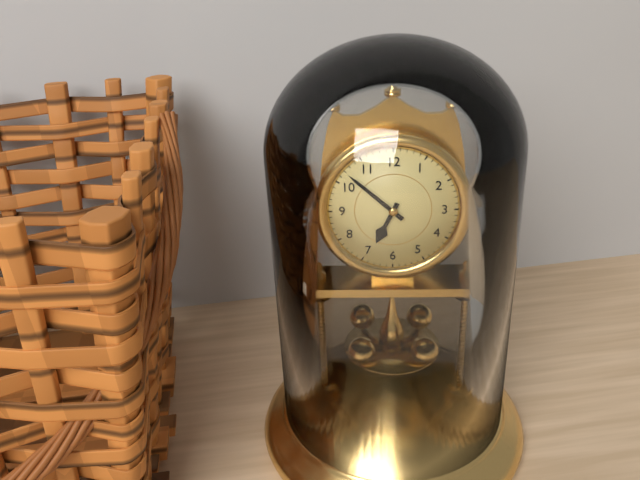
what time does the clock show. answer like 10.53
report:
6.52
